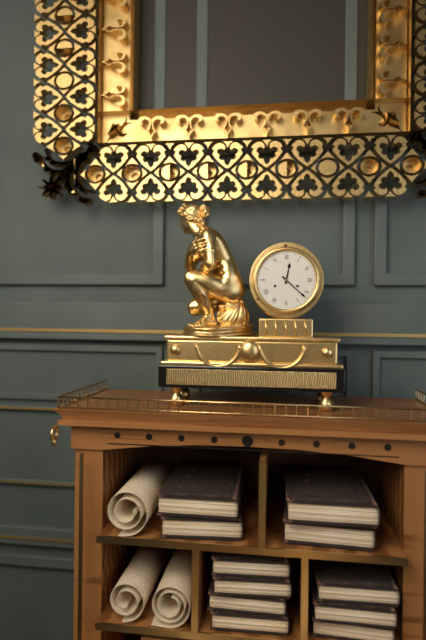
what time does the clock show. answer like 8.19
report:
12.22
